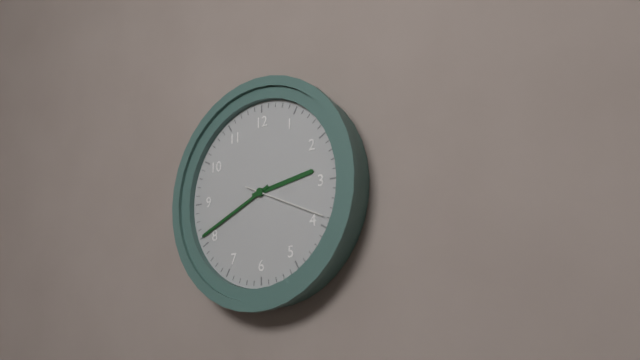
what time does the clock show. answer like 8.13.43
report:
2.41.19
